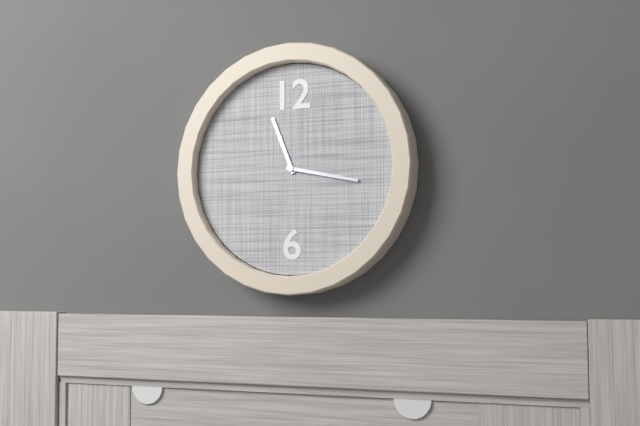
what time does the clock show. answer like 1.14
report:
11.17
